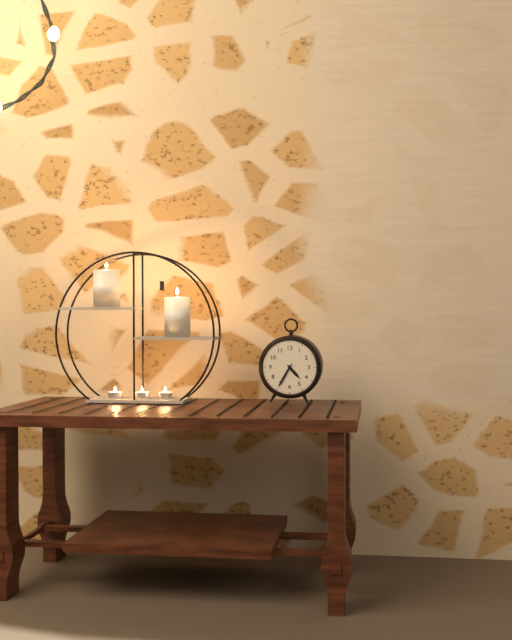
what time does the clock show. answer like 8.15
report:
4.35
